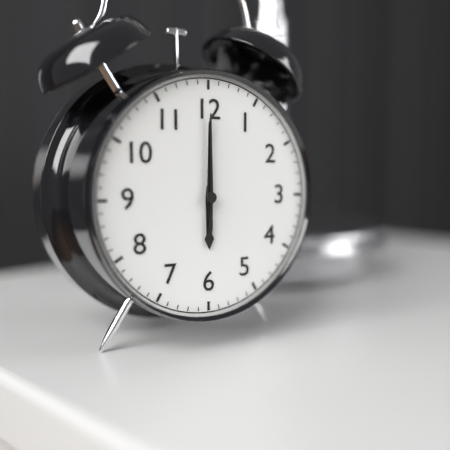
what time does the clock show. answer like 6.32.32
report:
6.00.00
